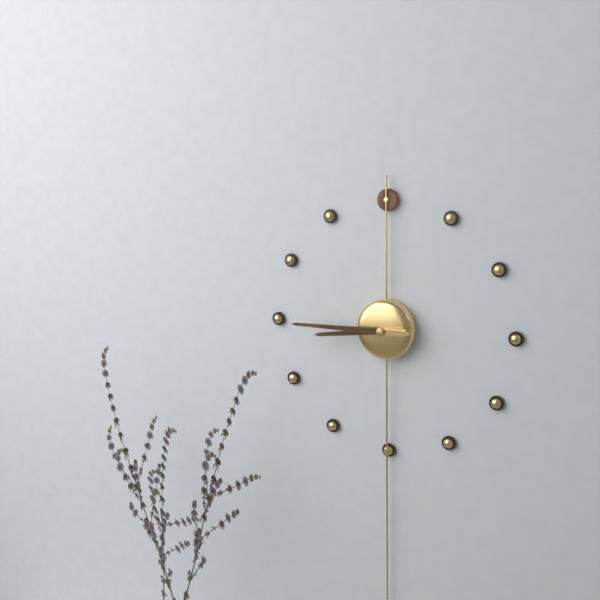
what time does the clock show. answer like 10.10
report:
8.45
